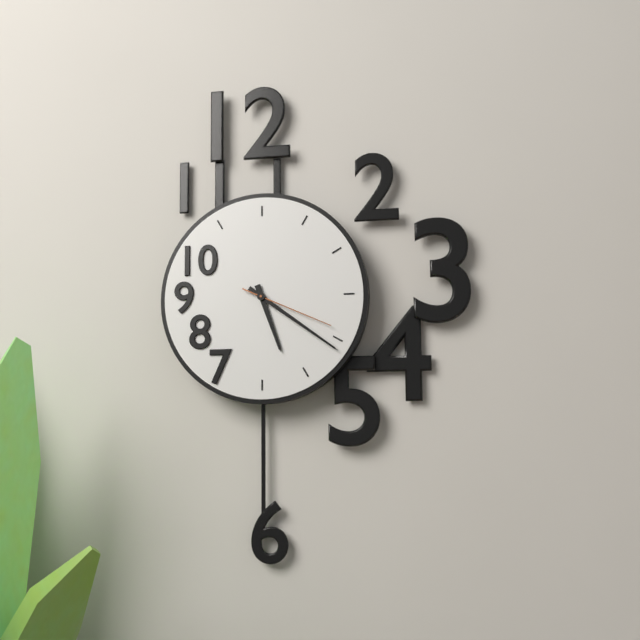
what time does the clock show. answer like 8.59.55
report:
5.21.19
